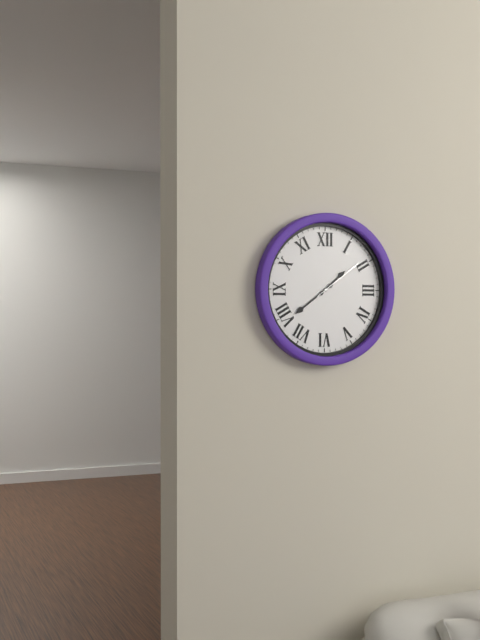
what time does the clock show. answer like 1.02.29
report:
1.39.09
